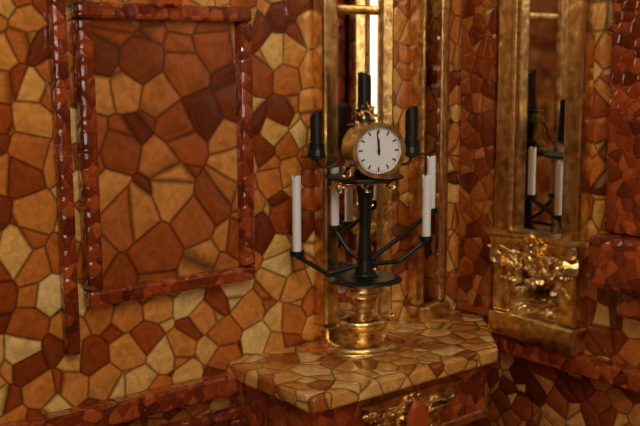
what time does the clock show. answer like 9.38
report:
11.59
